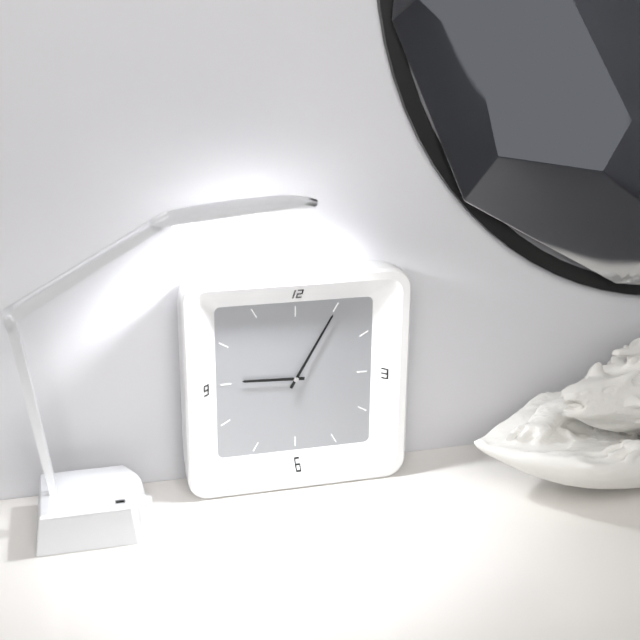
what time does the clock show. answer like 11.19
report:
9.05
